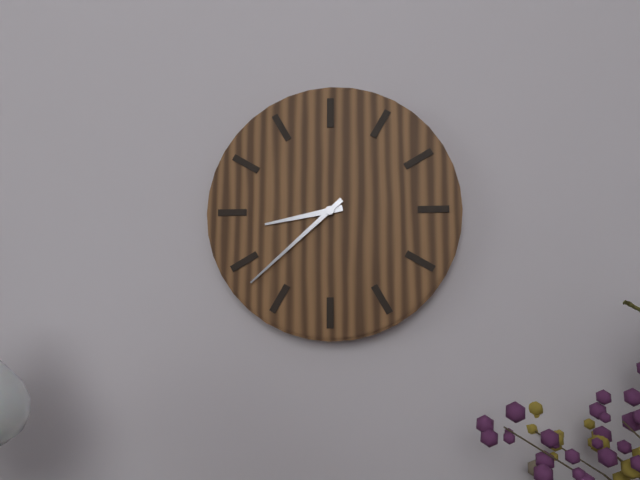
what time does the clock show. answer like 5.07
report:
8.38
